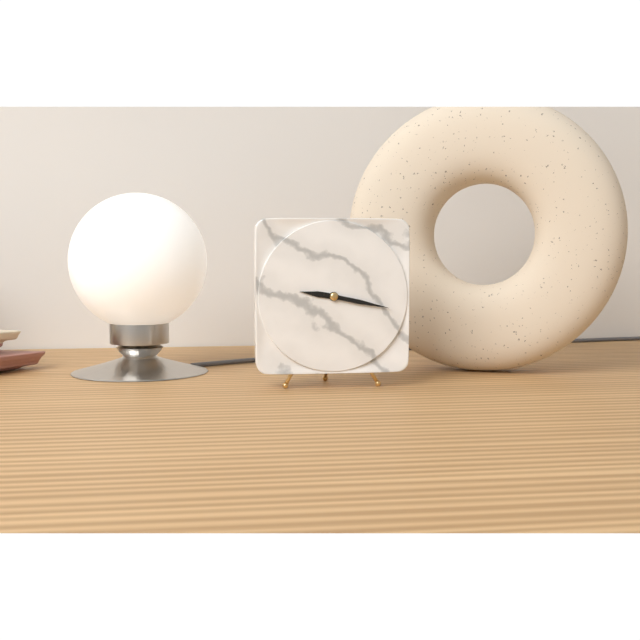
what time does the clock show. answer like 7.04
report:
9.17
